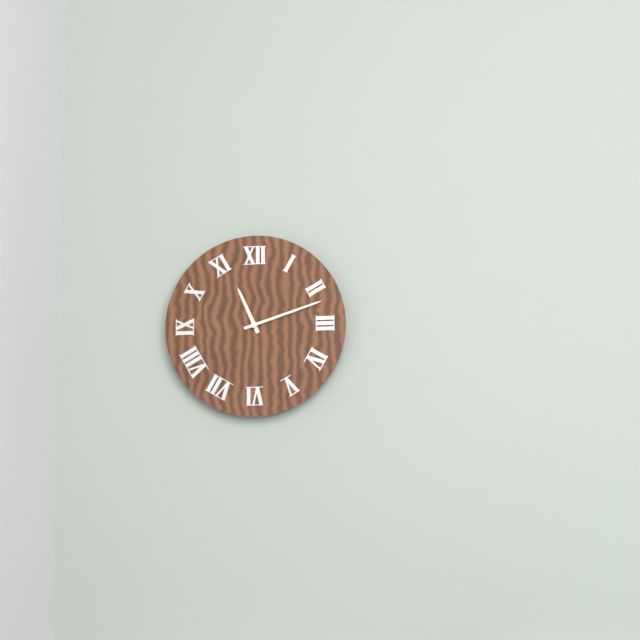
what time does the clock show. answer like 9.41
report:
11.12
